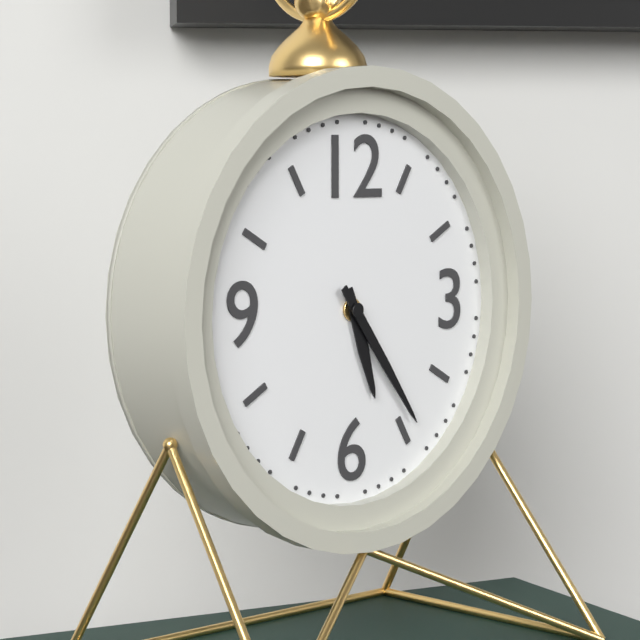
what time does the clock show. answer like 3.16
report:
5.24
